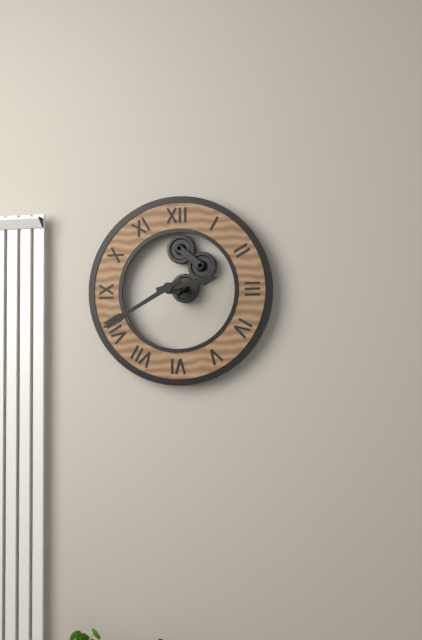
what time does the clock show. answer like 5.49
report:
2.40
